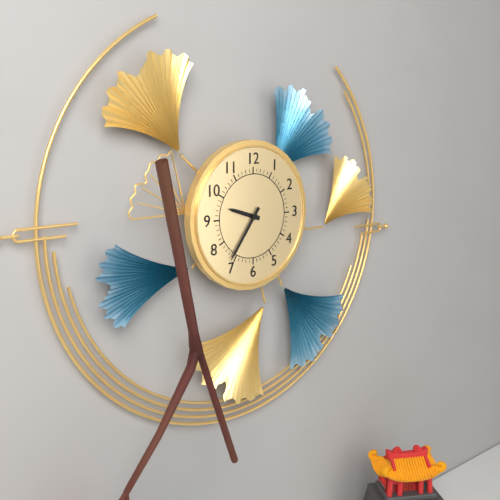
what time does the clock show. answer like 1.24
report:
9.36
